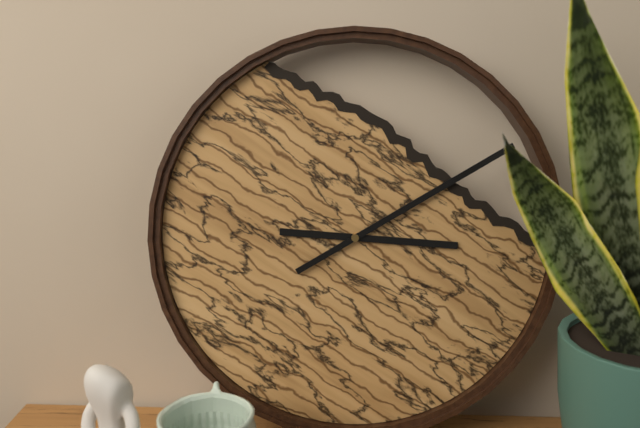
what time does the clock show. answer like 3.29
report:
3.10
